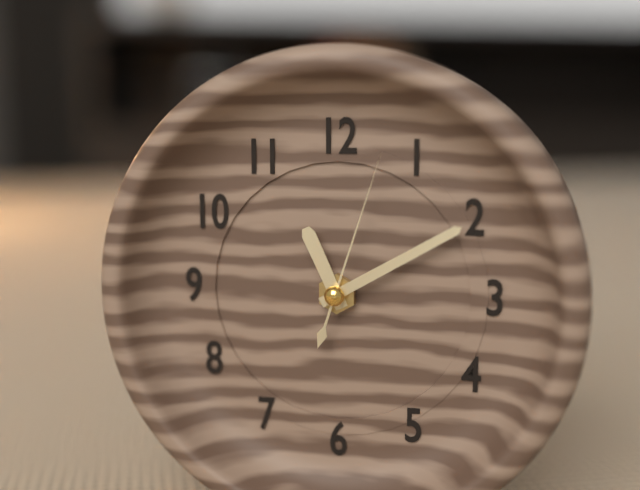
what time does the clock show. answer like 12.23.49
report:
11.10.03
